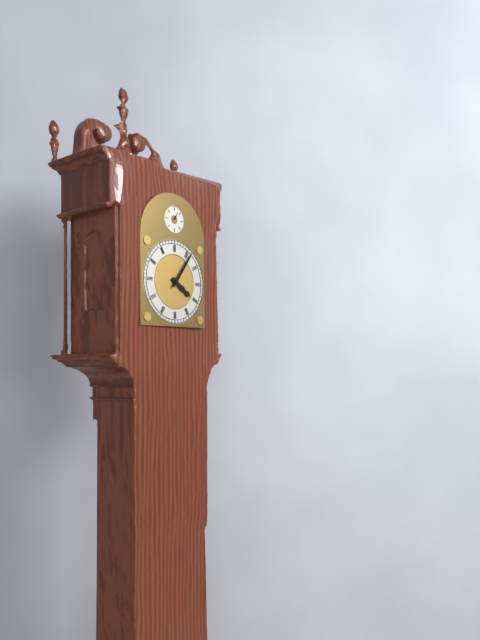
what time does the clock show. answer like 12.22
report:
4.06
